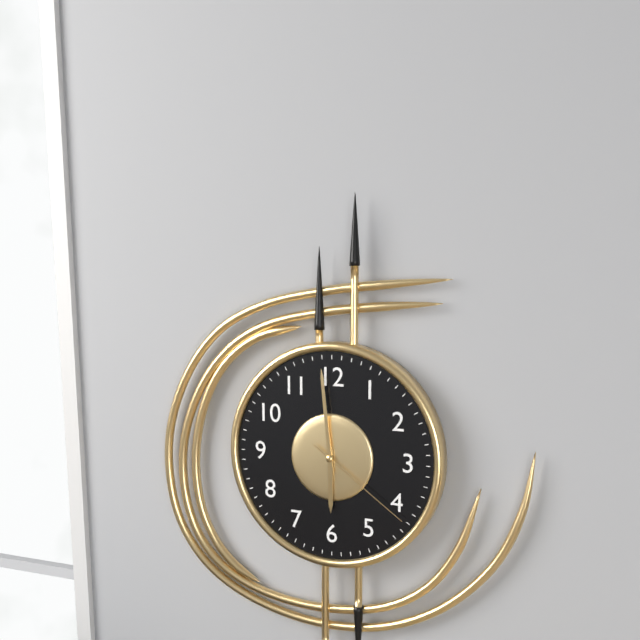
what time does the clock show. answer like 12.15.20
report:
5.59.21
